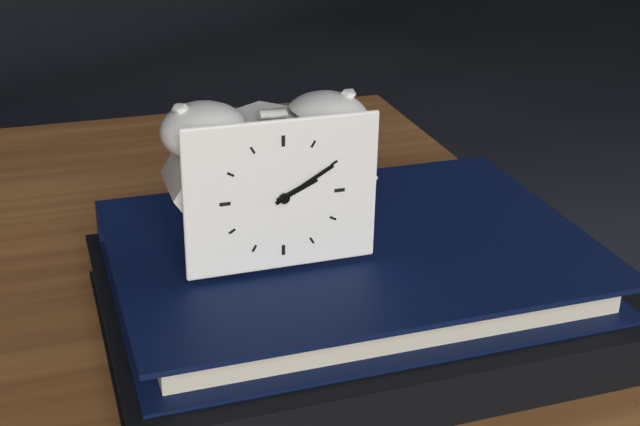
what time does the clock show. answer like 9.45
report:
2.10
